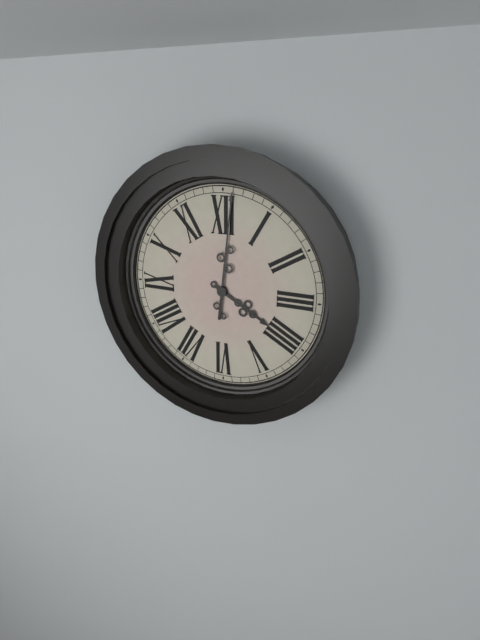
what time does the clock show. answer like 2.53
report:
4.01
